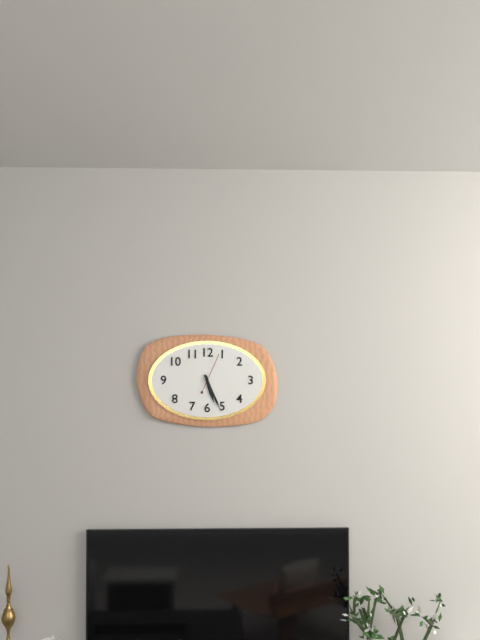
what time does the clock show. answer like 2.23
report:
5.26
